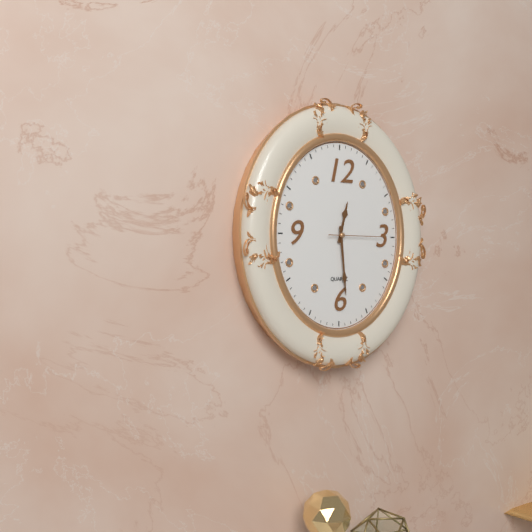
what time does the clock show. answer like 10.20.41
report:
12.29.15
